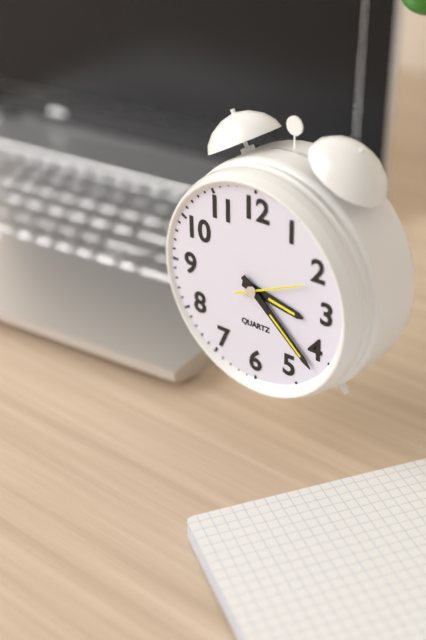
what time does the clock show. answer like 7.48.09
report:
3.22.11
